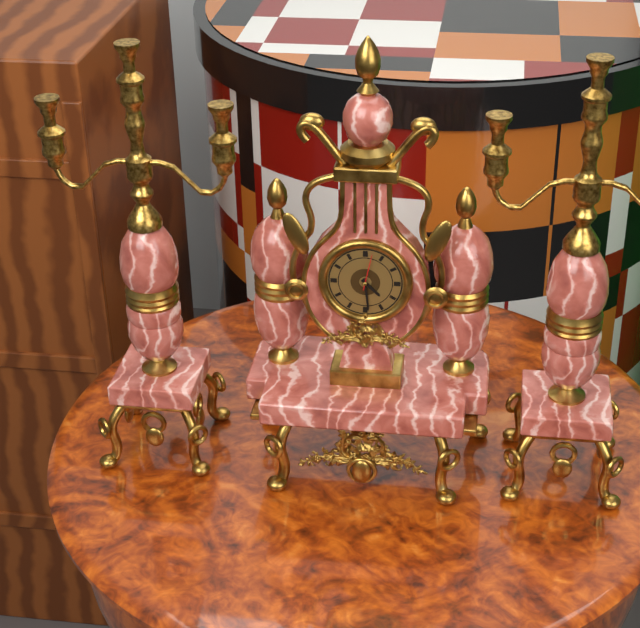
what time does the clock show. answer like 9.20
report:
4.29
